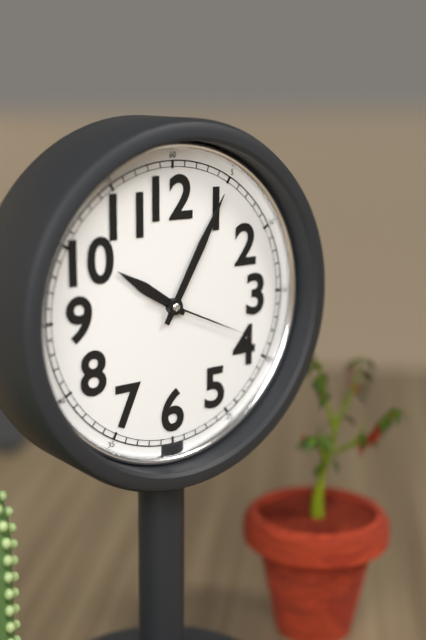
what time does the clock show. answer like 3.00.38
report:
10.05.19
